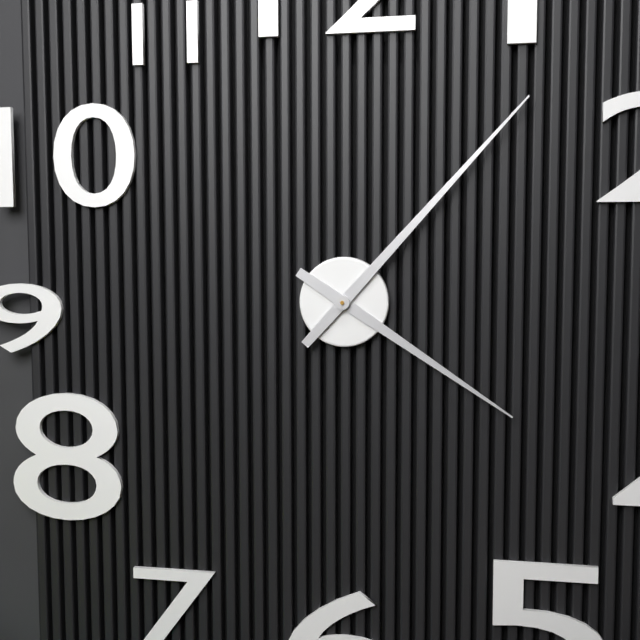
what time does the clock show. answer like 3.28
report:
4.07
